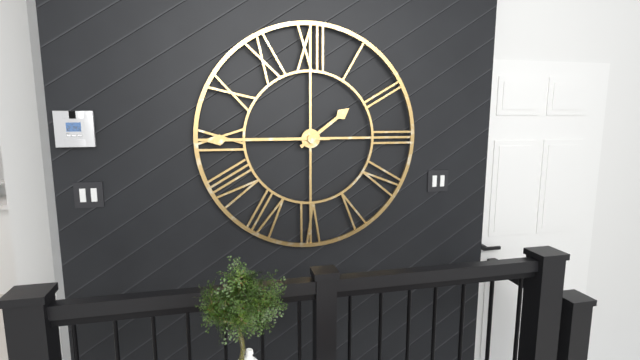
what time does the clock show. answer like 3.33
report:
1.45
